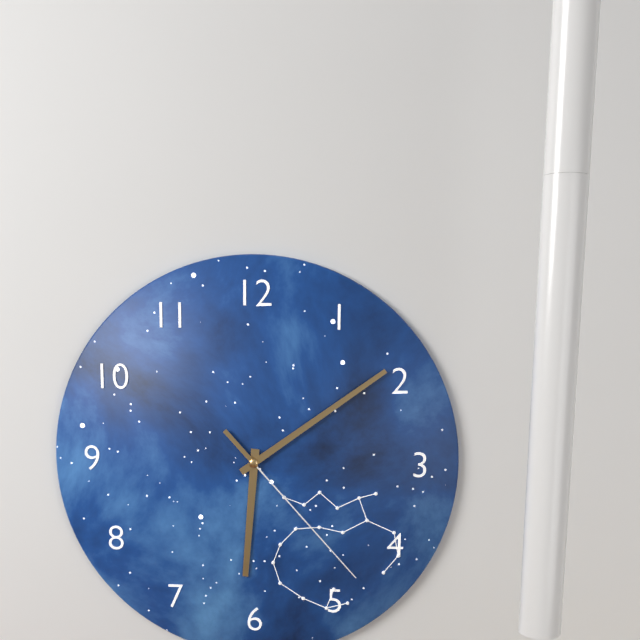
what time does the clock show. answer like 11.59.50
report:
6.09.23
